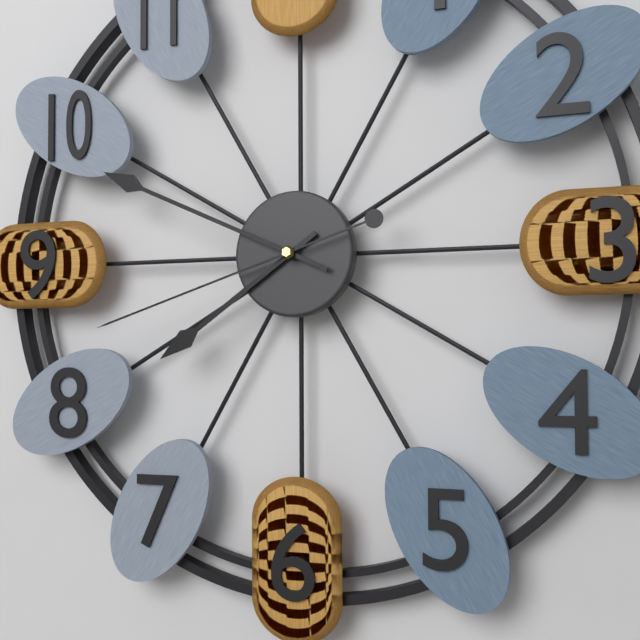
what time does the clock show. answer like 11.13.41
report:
7.49.42
